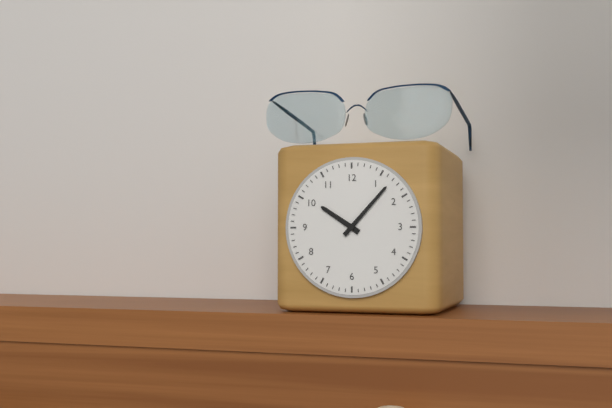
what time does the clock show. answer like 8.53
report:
10.07
